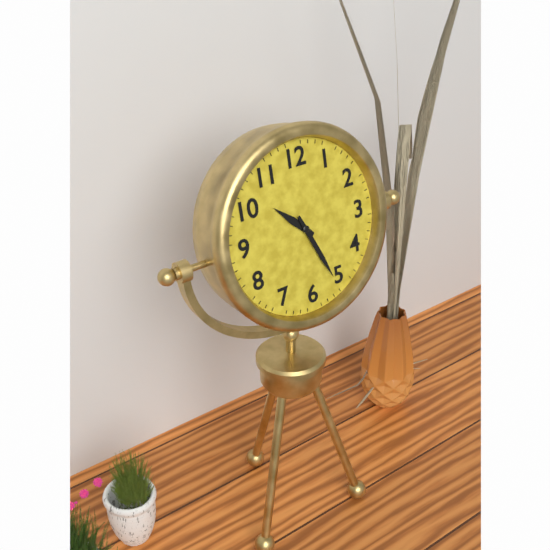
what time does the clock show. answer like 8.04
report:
10.26
